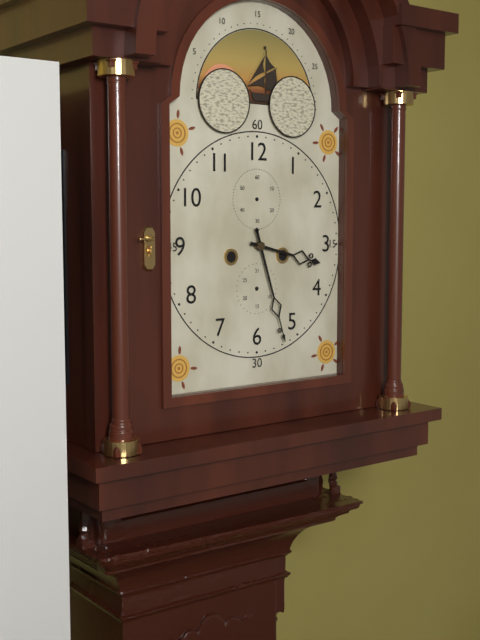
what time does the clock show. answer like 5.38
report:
3.27
